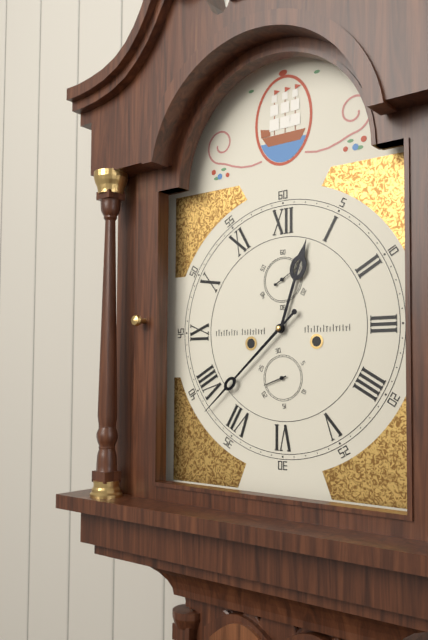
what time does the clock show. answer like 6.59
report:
12.38
